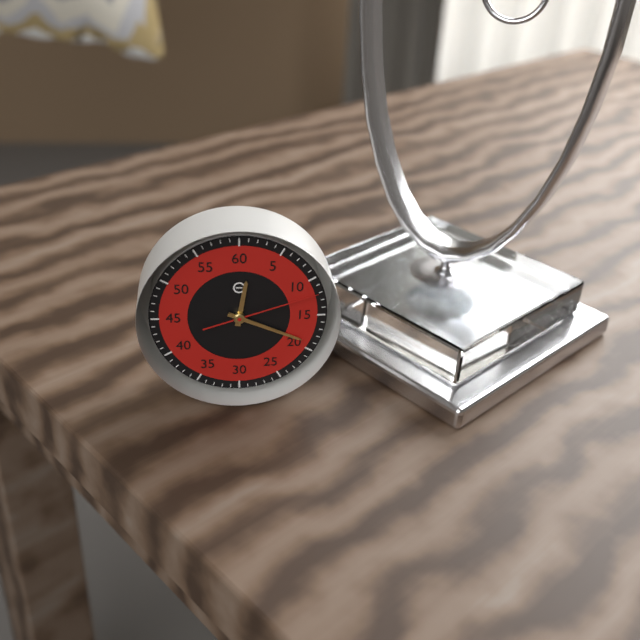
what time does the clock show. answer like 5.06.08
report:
12.19.12
